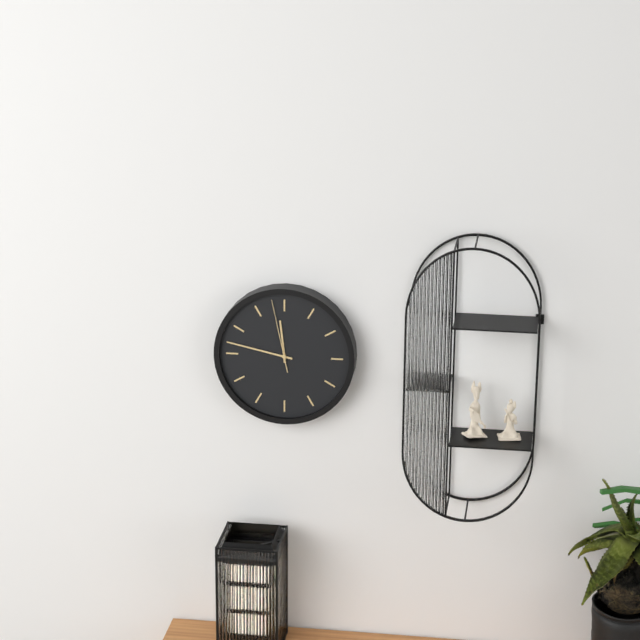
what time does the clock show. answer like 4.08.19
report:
11.47.58
